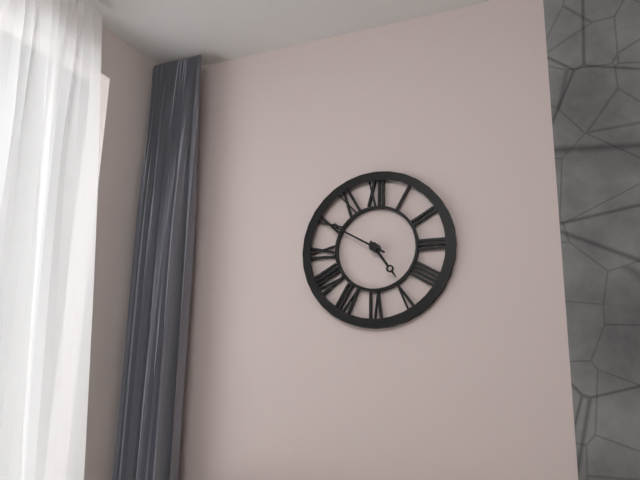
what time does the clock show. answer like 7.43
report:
4.50
